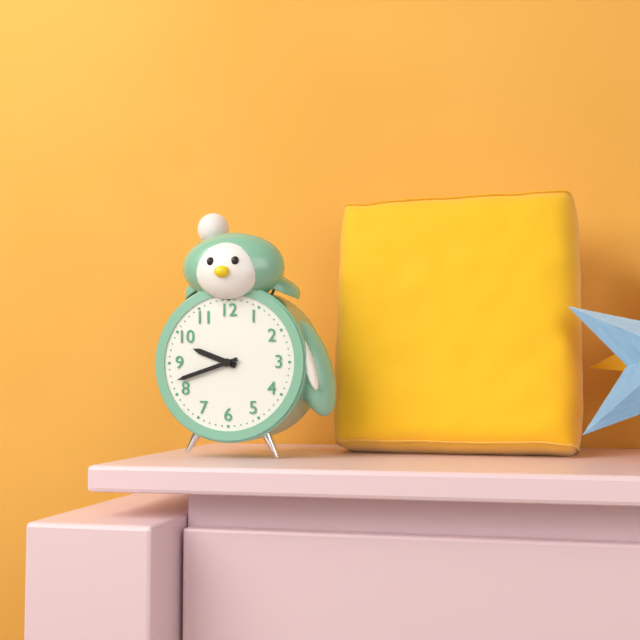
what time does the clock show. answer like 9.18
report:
9.42
